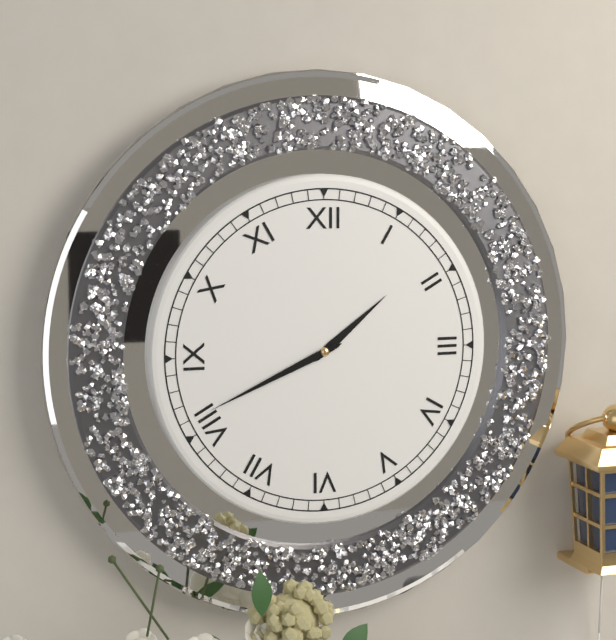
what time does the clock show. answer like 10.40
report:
1.41
